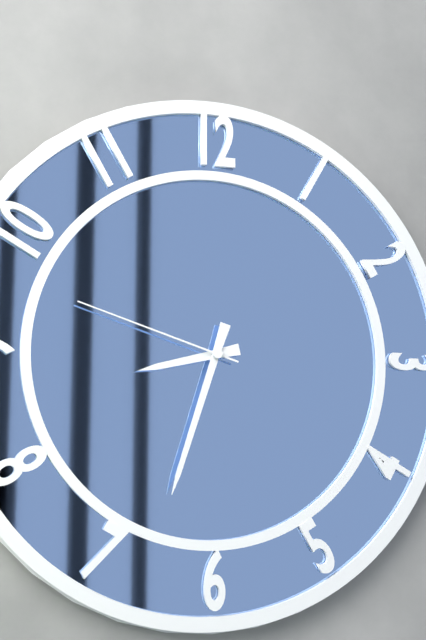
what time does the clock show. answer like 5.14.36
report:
8.33.48
